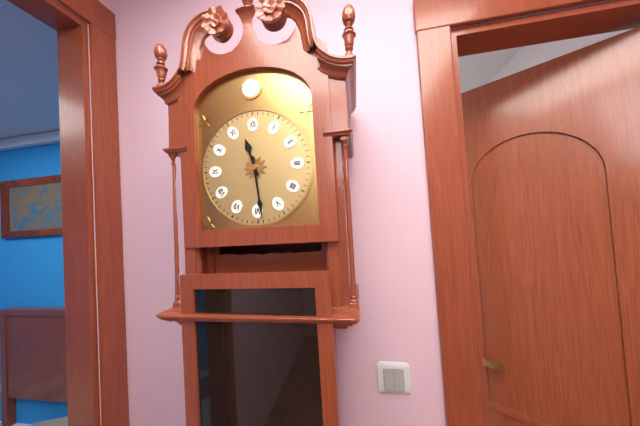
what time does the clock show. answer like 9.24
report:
11.29
